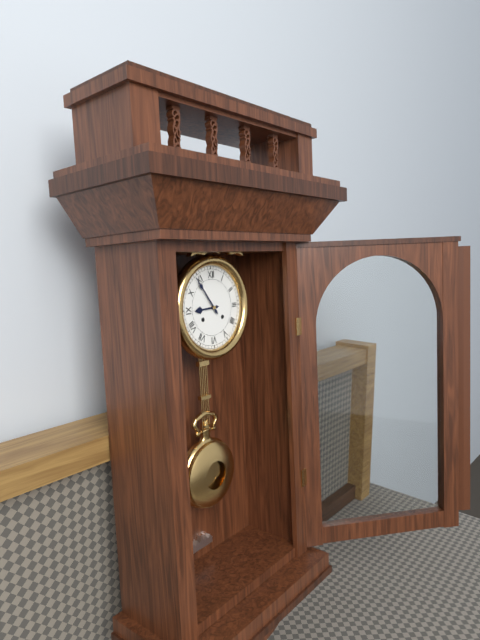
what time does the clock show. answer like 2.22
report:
8.54
